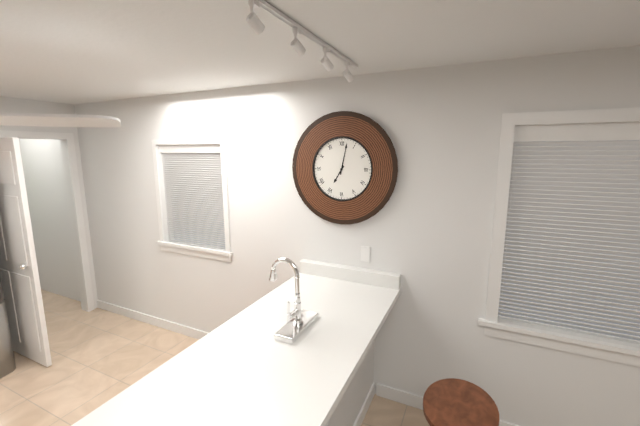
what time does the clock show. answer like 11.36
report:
7.02
